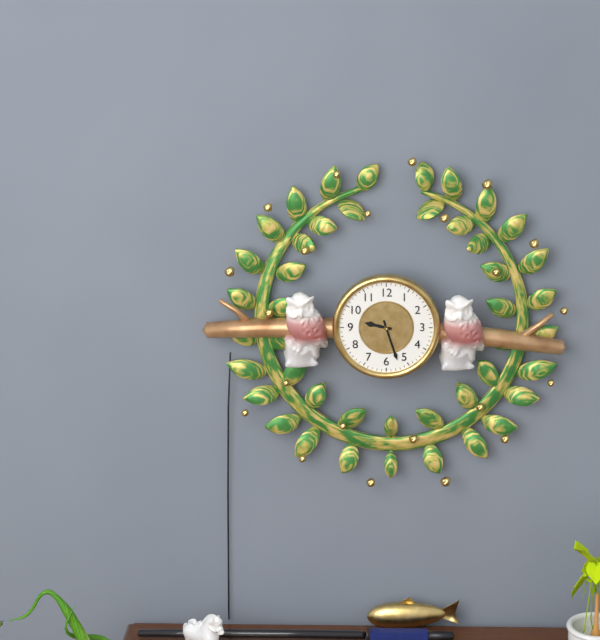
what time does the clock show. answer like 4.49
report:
9.27
